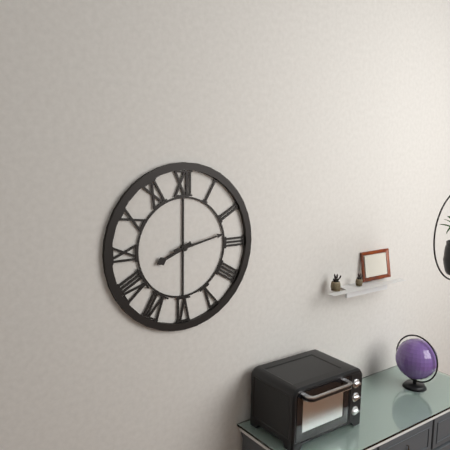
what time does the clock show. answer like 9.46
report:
8.13
